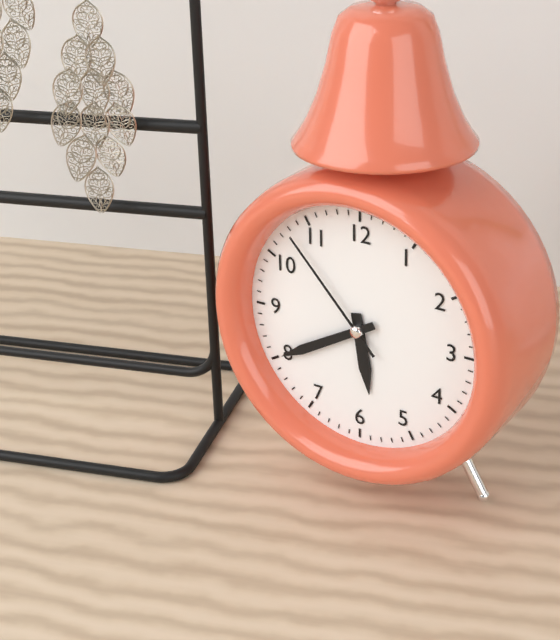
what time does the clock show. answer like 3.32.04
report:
5.40.53
